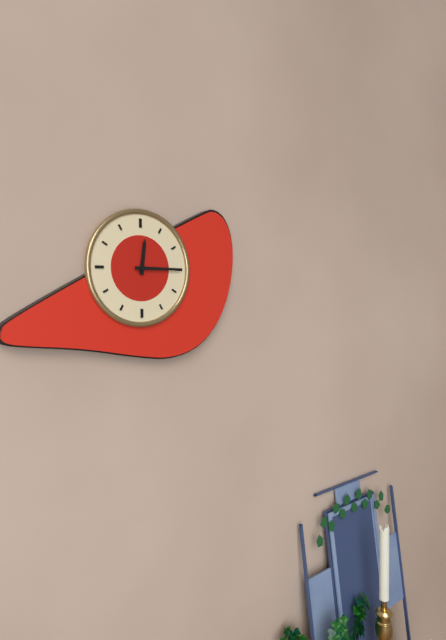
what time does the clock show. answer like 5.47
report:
12.15
